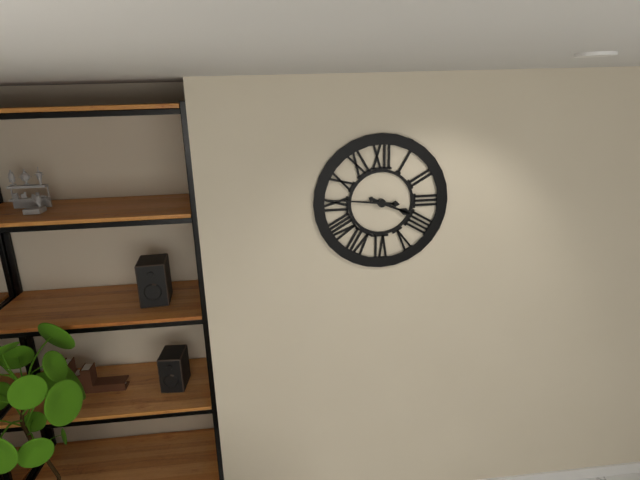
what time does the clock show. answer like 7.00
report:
3.46
